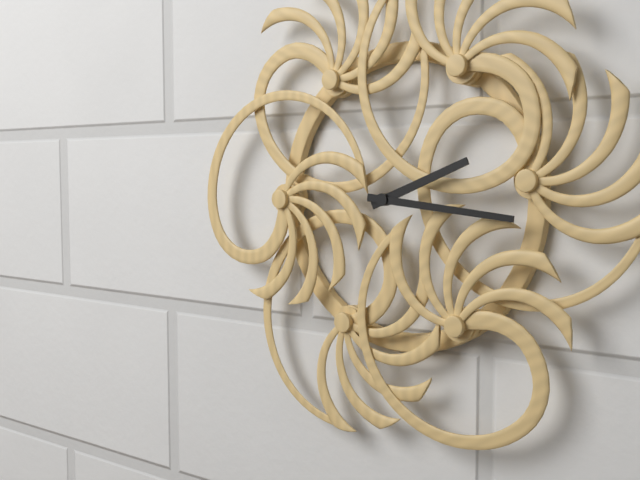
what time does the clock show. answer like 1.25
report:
2.16
